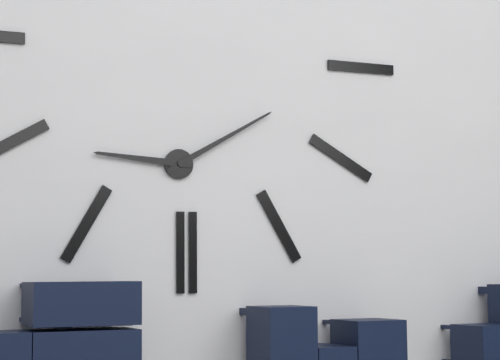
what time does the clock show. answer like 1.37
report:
9.10
